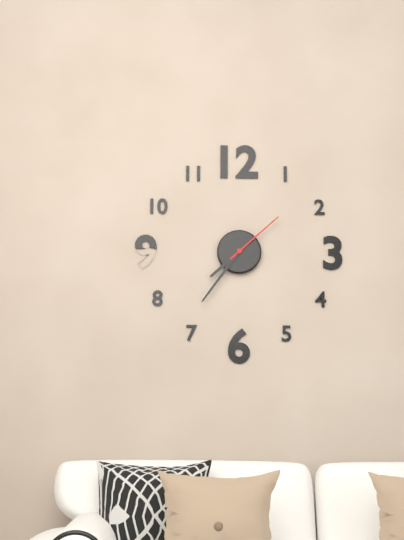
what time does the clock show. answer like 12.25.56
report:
7.36.08
